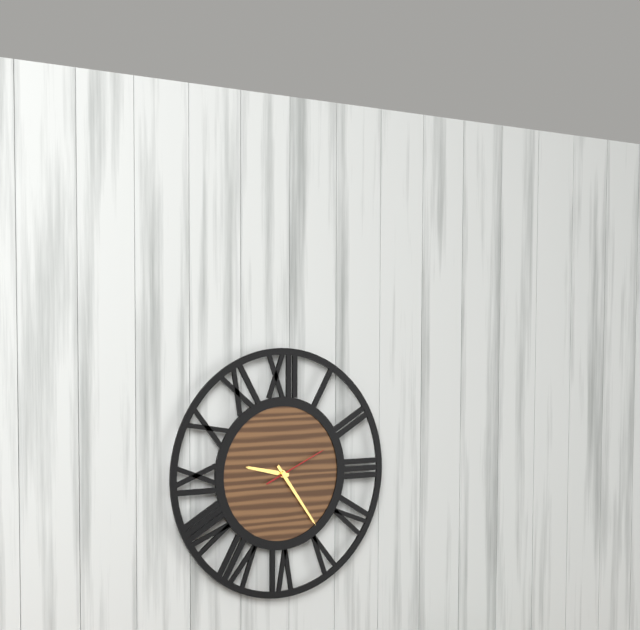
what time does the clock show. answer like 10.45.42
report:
9.24.11
